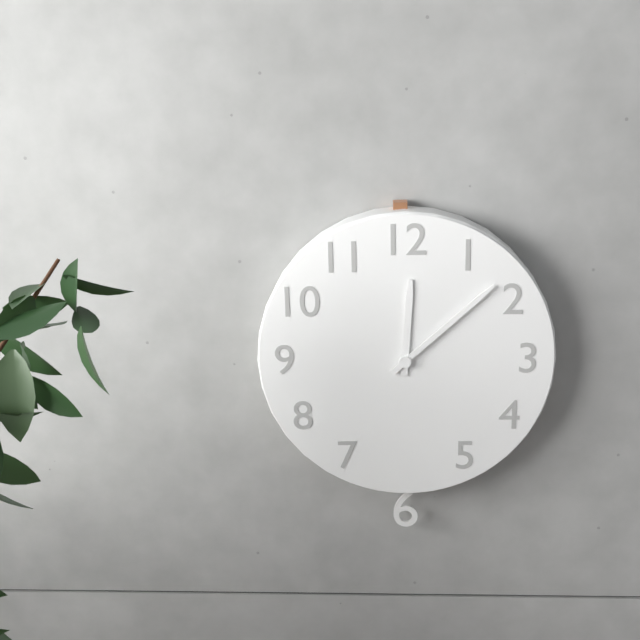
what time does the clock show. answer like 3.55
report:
12.08
